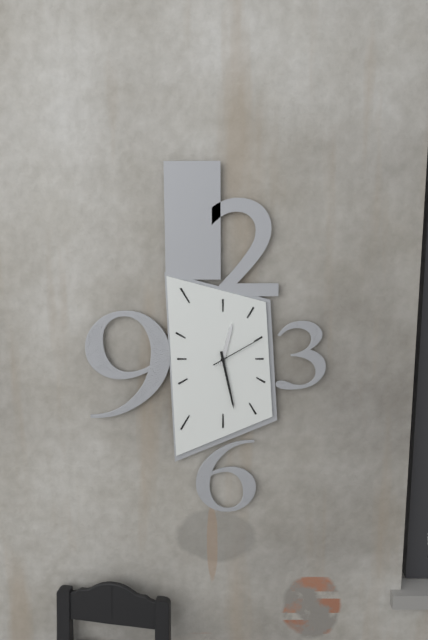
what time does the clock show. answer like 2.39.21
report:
12.28.10
